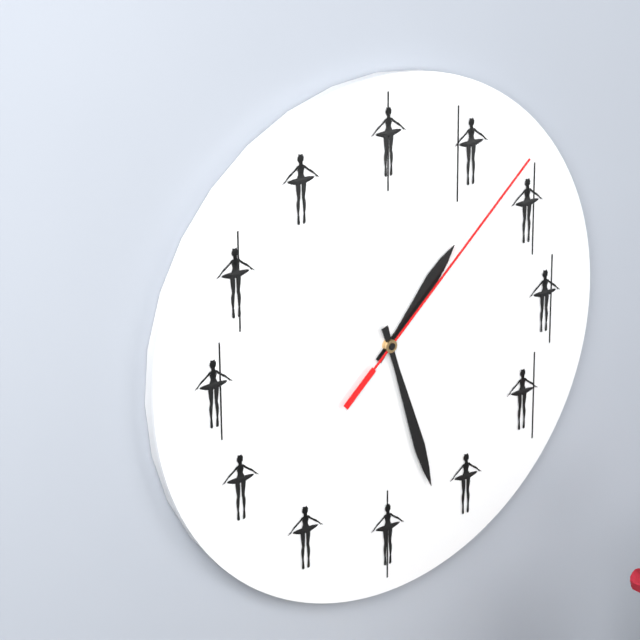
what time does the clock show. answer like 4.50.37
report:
1.27.08
